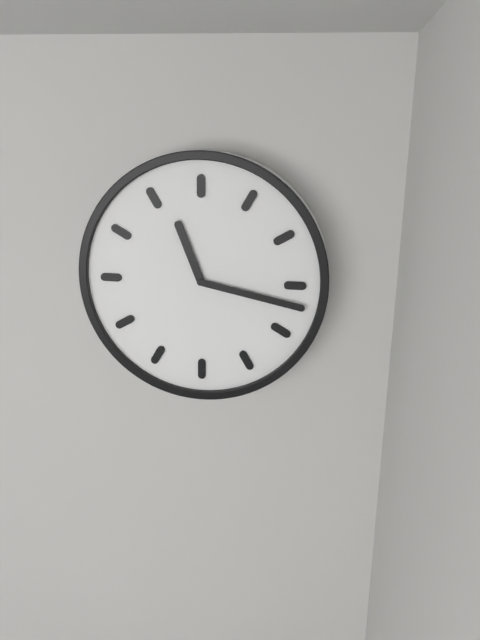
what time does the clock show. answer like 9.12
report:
11.17
